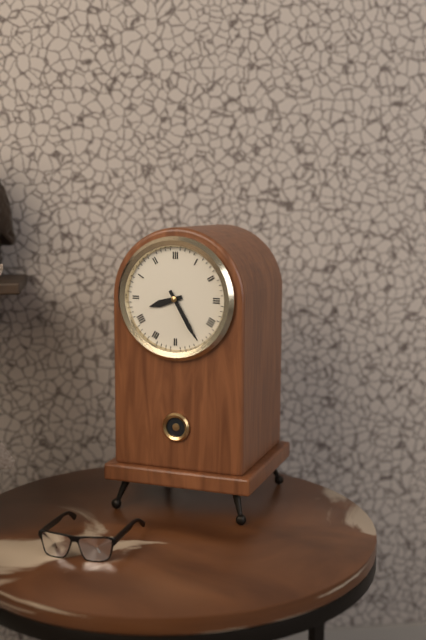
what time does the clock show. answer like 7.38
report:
8.25
